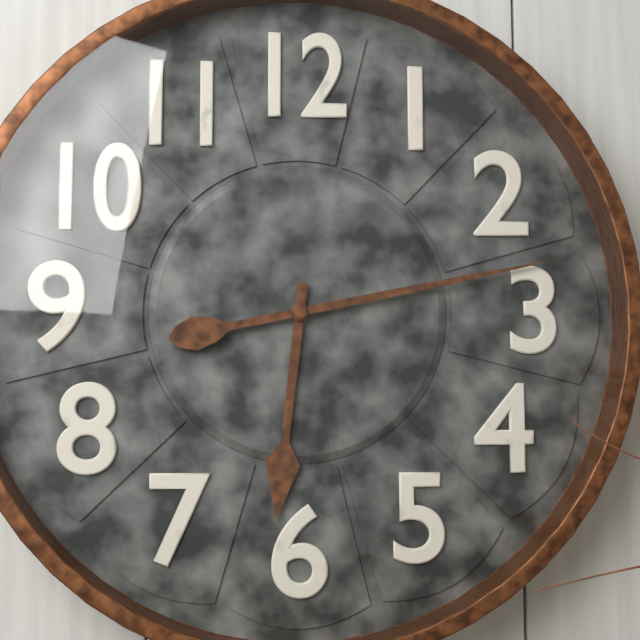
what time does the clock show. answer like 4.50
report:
6.13
